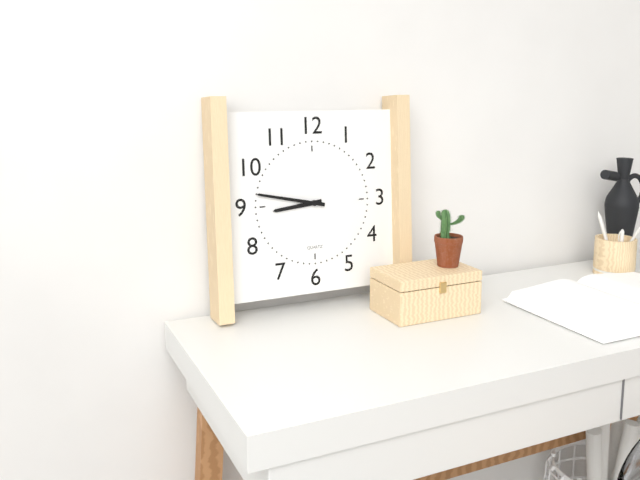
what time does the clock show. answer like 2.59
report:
8.47
